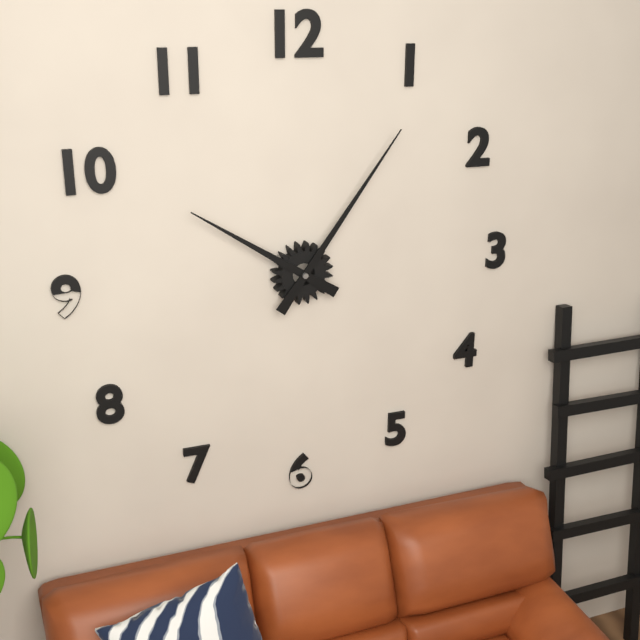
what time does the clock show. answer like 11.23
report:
10.06
